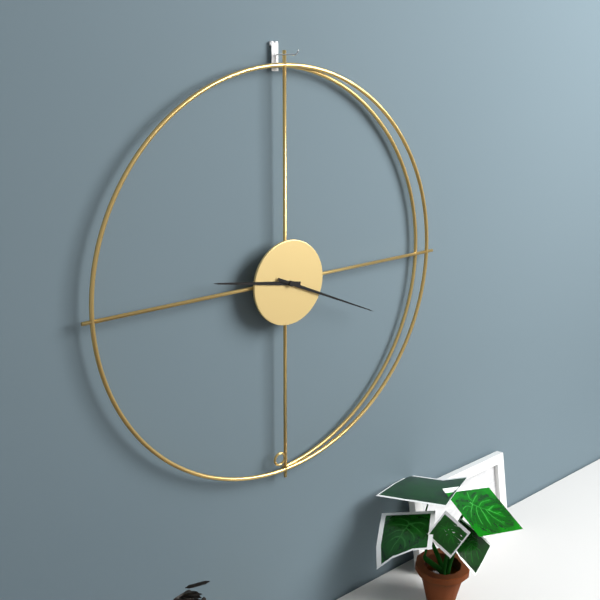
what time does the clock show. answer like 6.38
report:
9.19
